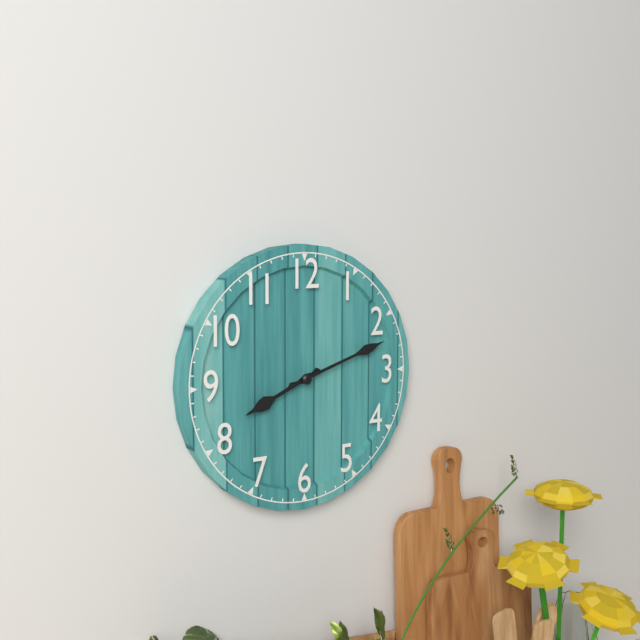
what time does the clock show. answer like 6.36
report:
8.12
